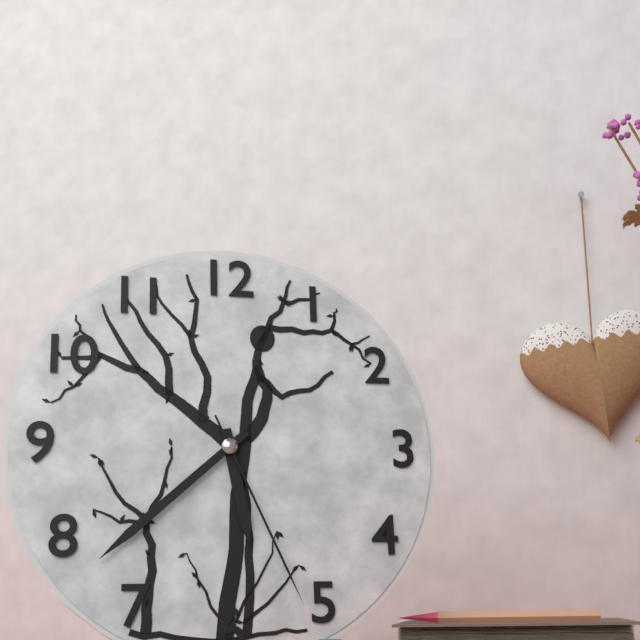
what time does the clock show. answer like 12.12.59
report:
5.38.26
